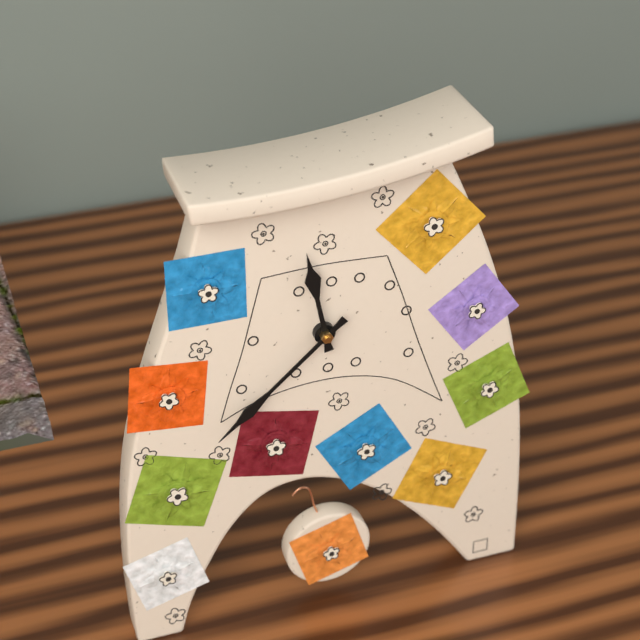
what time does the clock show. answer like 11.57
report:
11.38
